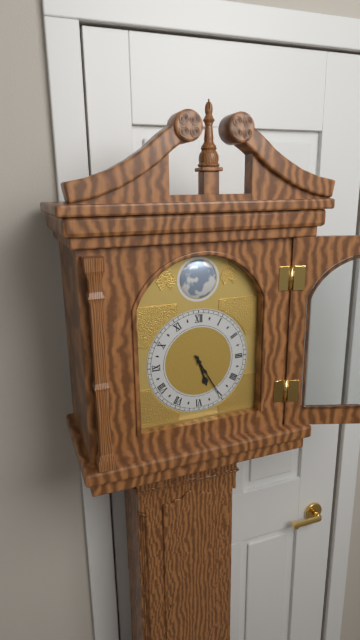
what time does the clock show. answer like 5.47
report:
5.25
